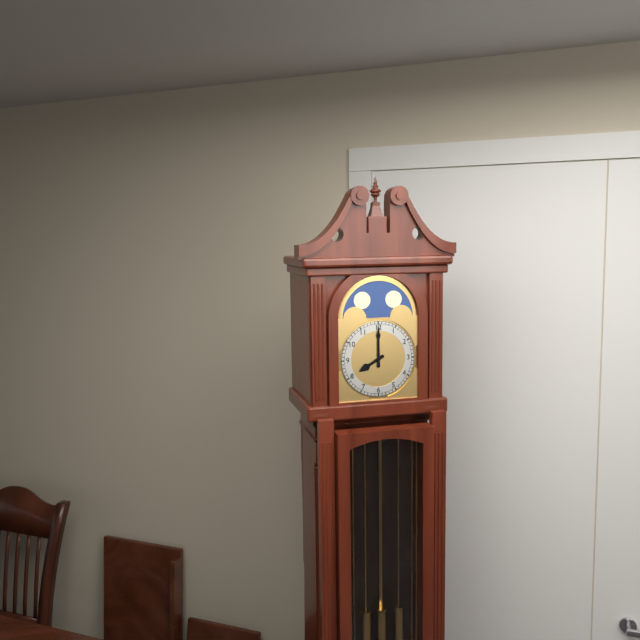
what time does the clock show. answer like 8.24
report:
8.00
